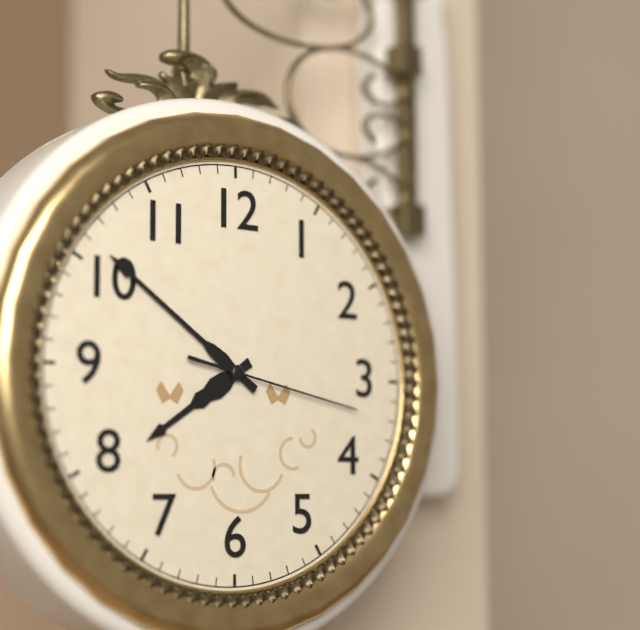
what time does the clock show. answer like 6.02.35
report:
7.51.17
